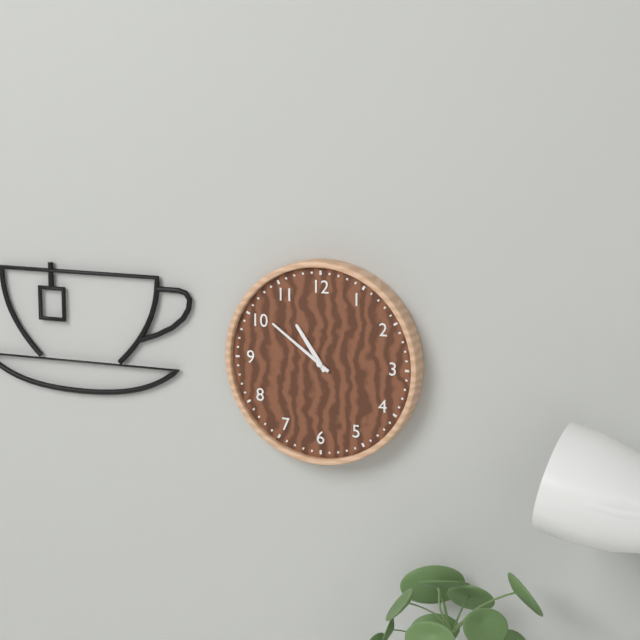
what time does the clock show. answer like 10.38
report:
10.51
